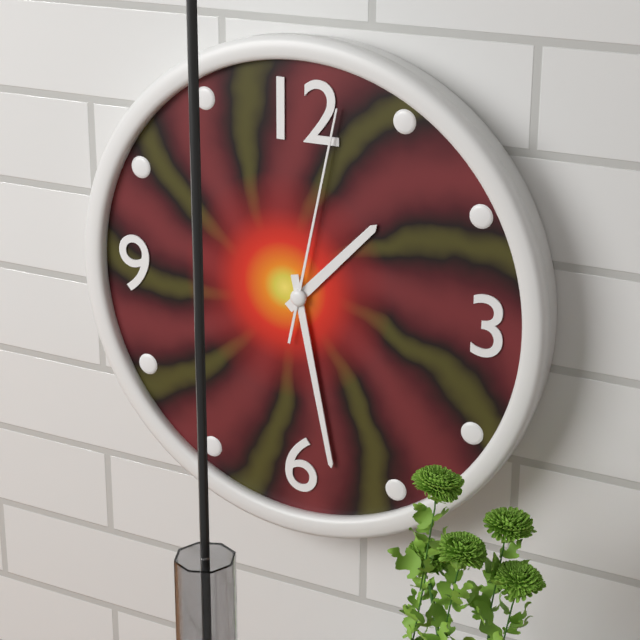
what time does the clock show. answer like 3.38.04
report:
1.28.02
